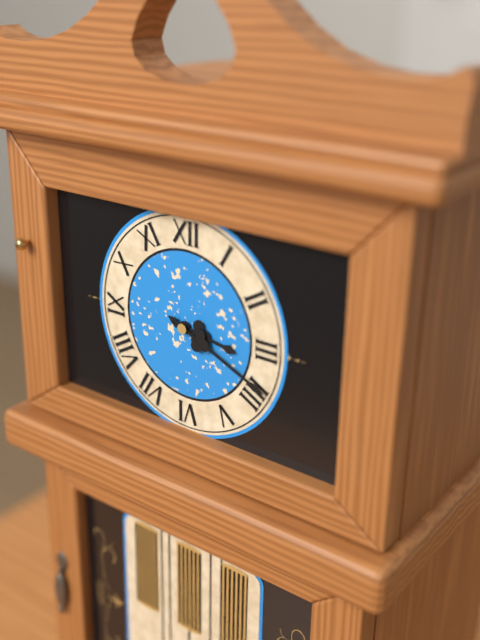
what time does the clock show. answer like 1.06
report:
3.19
